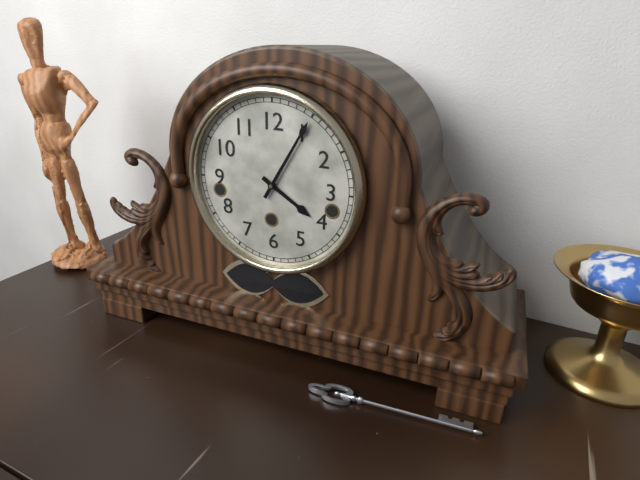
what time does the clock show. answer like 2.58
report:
4.05
